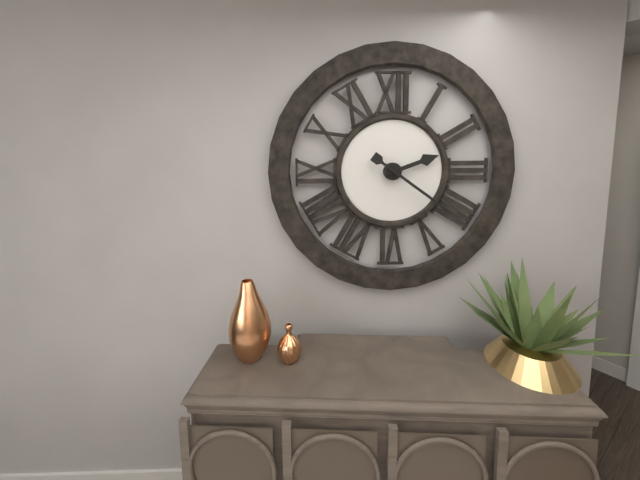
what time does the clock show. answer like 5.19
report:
2.21
